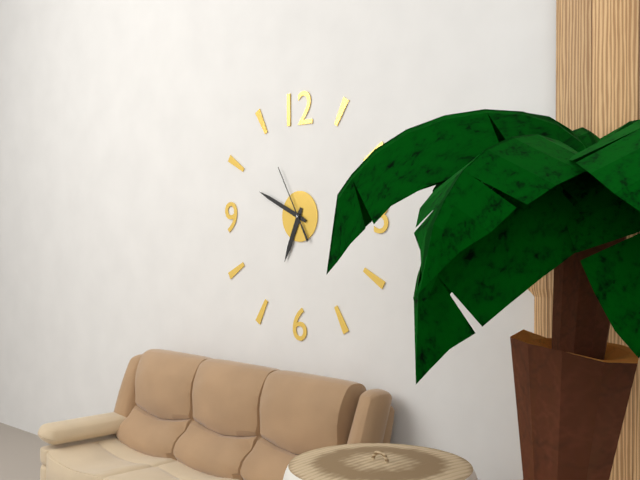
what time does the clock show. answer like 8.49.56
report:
6.49.55
